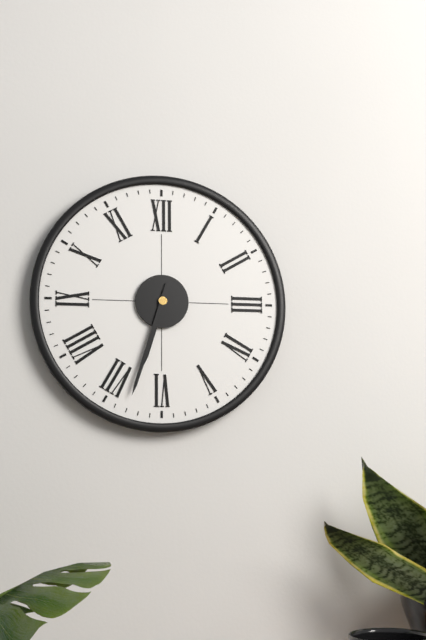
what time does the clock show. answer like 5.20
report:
6.33
